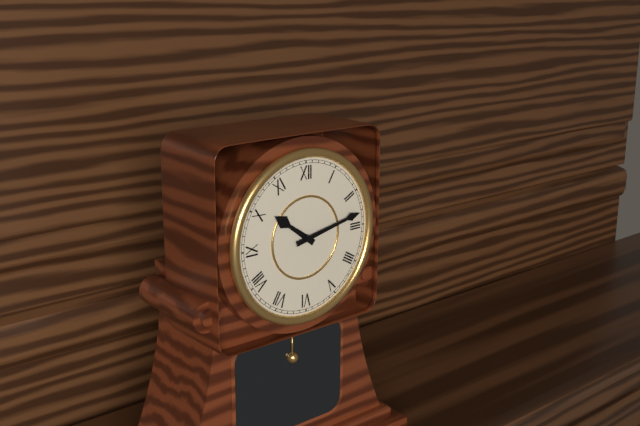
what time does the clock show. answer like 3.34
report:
10.13
